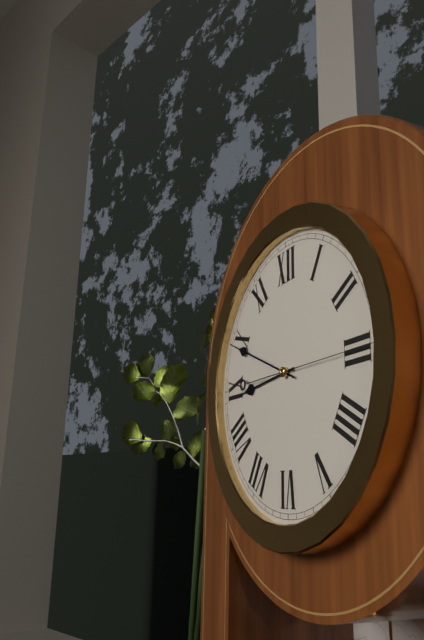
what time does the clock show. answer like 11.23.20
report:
8.49.15
